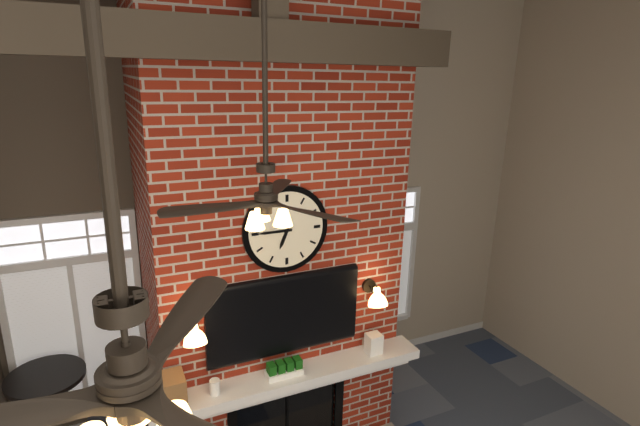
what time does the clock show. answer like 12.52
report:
6.45
